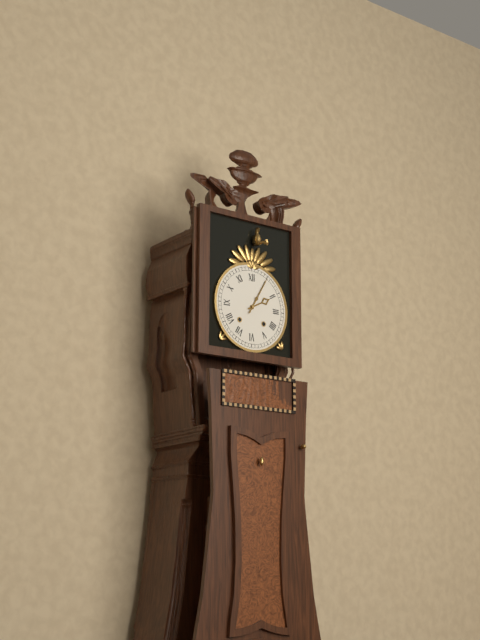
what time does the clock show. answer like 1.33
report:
2.05
